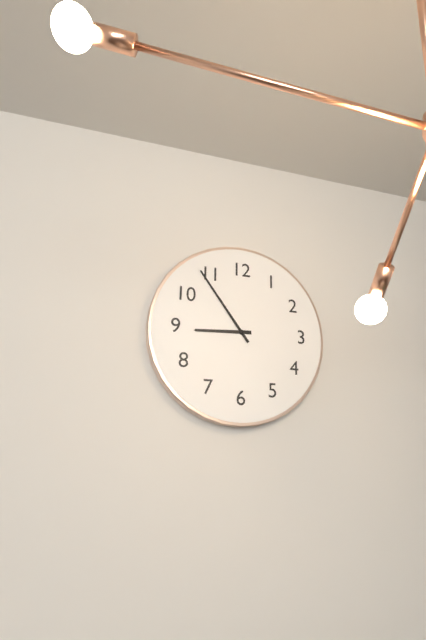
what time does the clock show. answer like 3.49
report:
8.54
